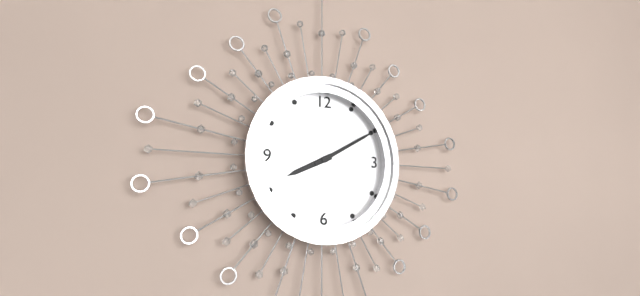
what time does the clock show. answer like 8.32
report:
8.10
